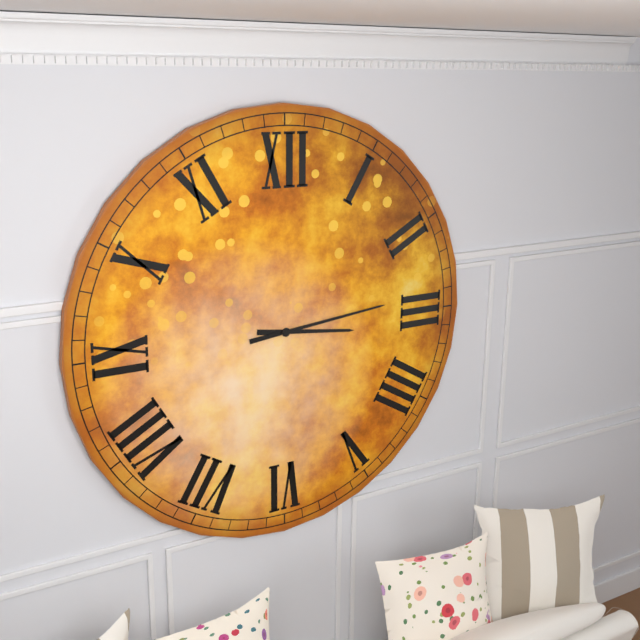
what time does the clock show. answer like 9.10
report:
3.14
